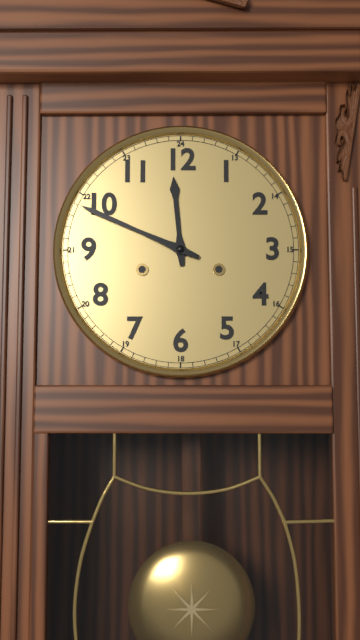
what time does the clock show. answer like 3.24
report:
11.49
